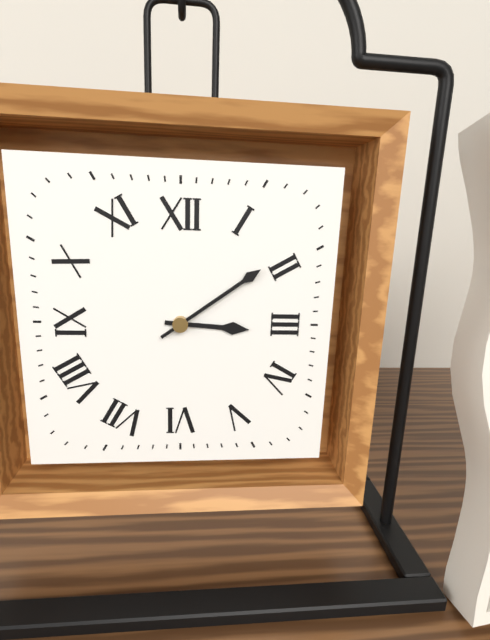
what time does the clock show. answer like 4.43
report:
3.09
